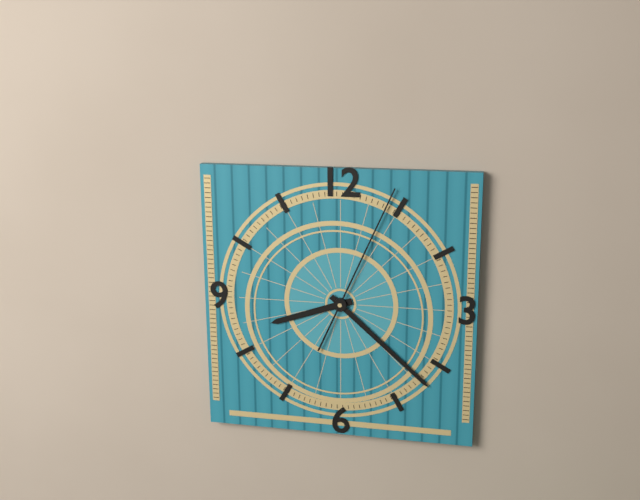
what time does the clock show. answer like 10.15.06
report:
8.22.04
